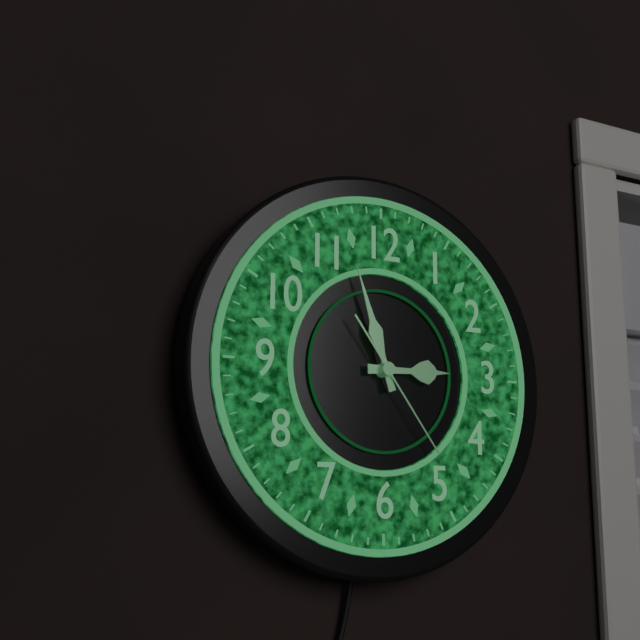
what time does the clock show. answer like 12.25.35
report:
2.57.24
